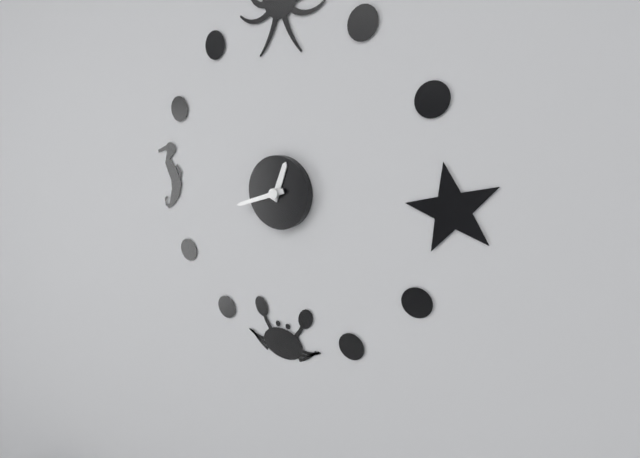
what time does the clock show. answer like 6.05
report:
12.42
